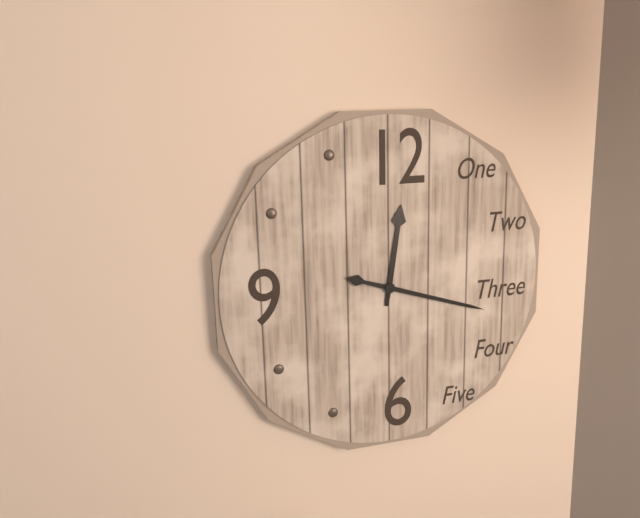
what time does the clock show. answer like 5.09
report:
12.18
